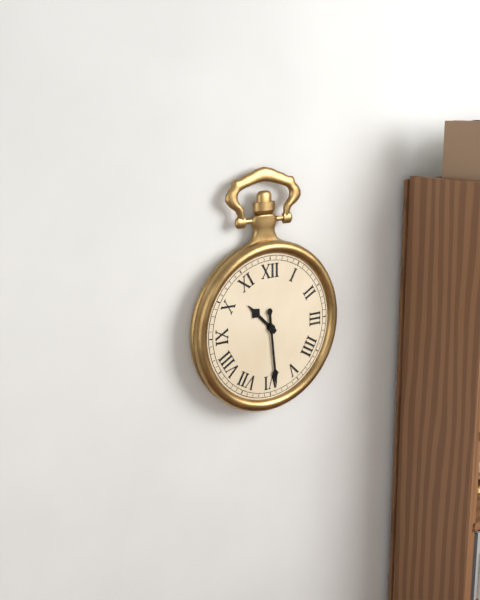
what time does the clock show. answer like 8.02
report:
10.29
